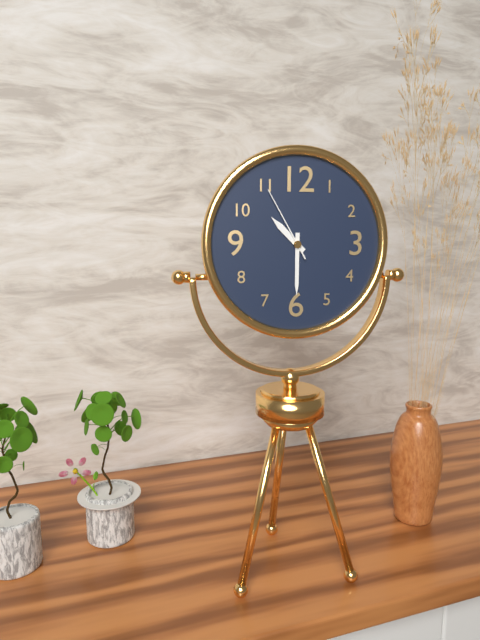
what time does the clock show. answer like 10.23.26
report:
10.30.55
